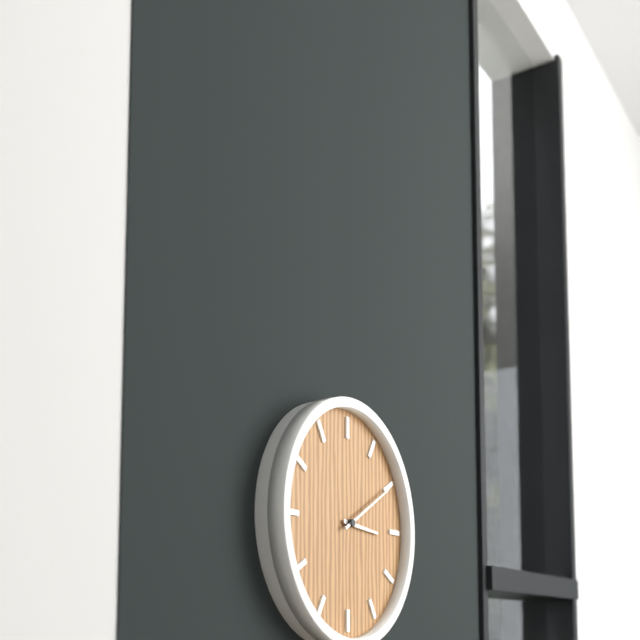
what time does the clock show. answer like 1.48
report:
3.10
